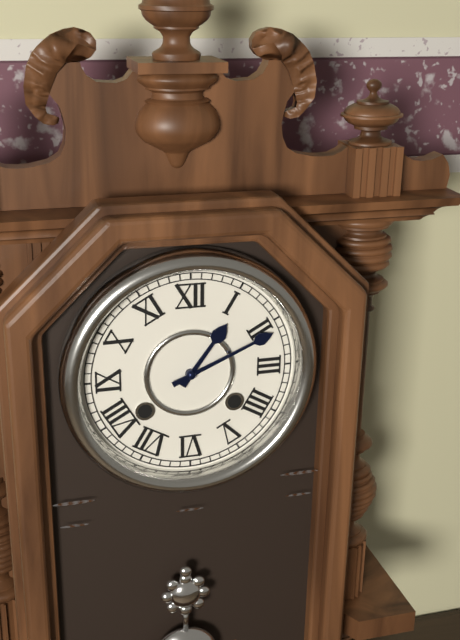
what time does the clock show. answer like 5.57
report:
1.11
